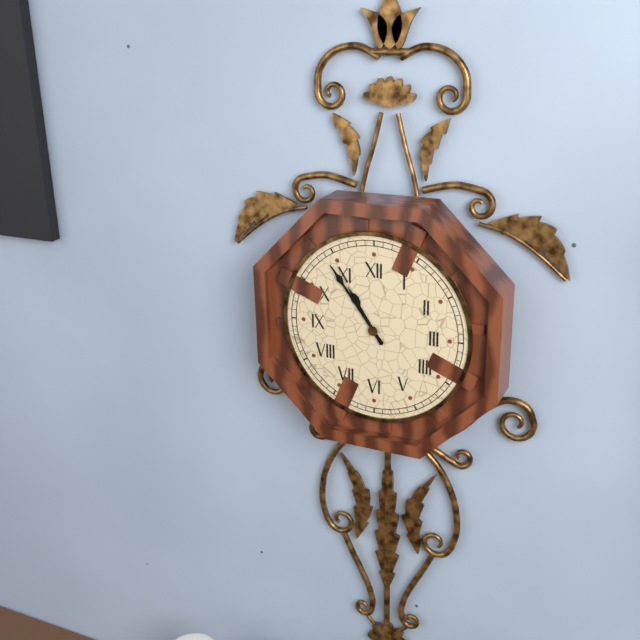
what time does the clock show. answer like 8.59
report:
10.54
